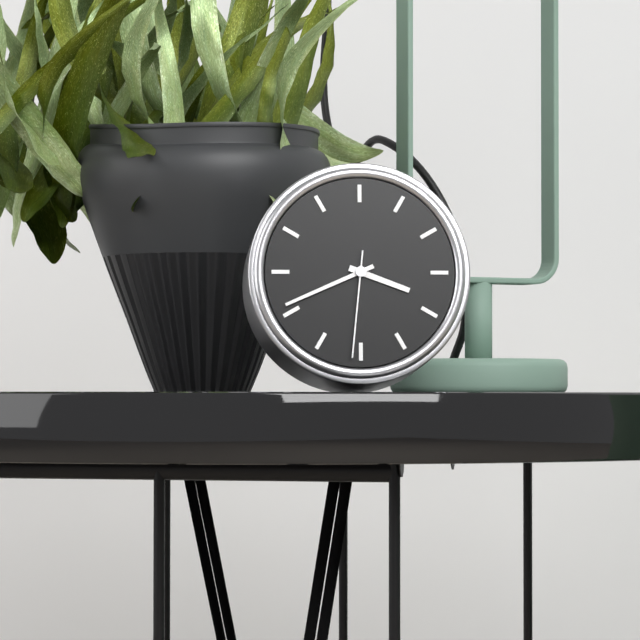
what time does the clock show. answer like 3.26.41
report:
3.41.31
